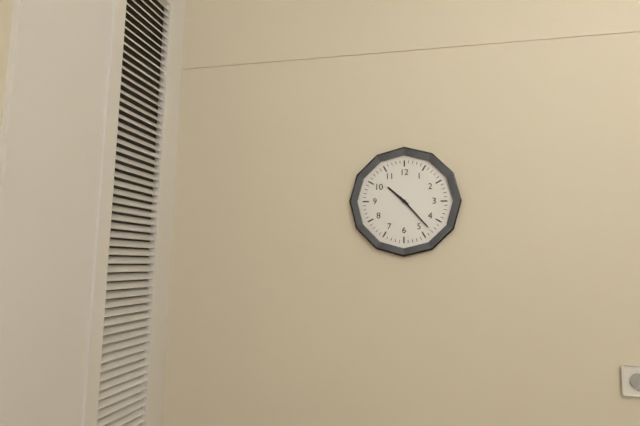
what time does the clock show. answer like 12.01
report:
10.23
